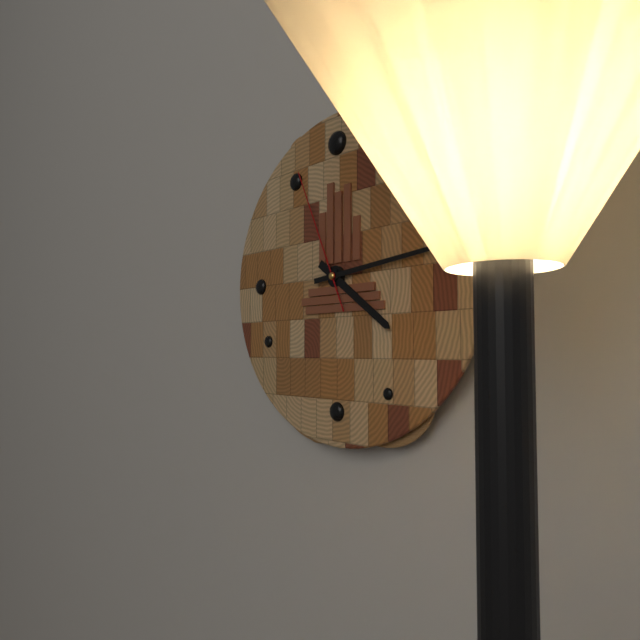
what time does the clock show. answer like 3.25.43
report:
4.14.56
